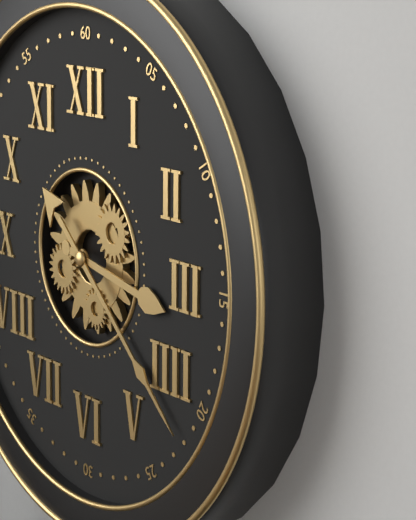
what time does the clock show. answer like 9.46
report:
3.22
